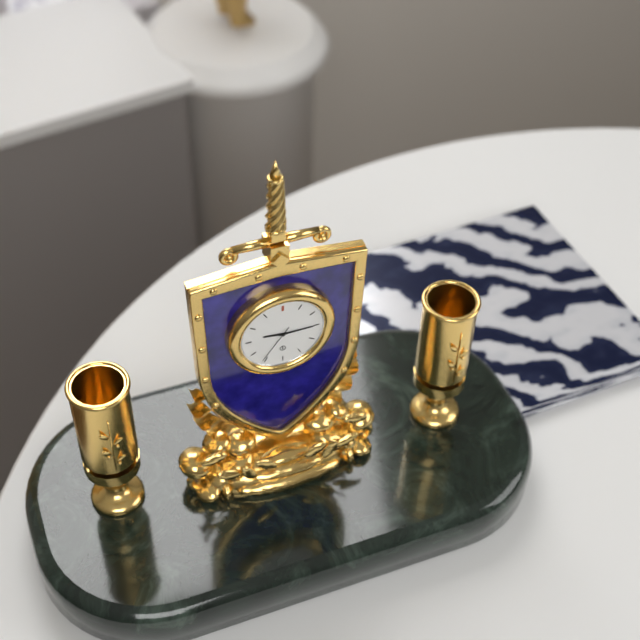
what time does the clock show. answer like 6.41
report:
9.15
